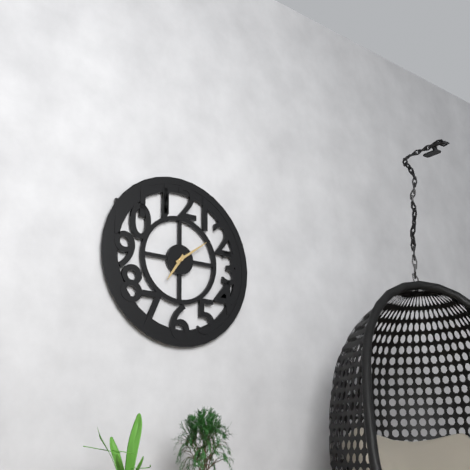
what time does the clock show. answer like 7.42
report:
7.09
